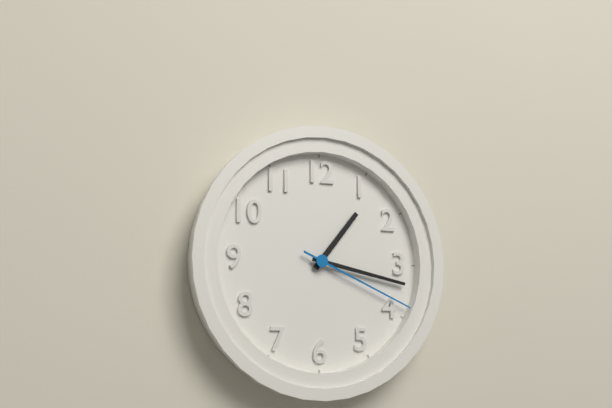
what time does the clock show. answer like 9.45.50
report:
1.17.19
